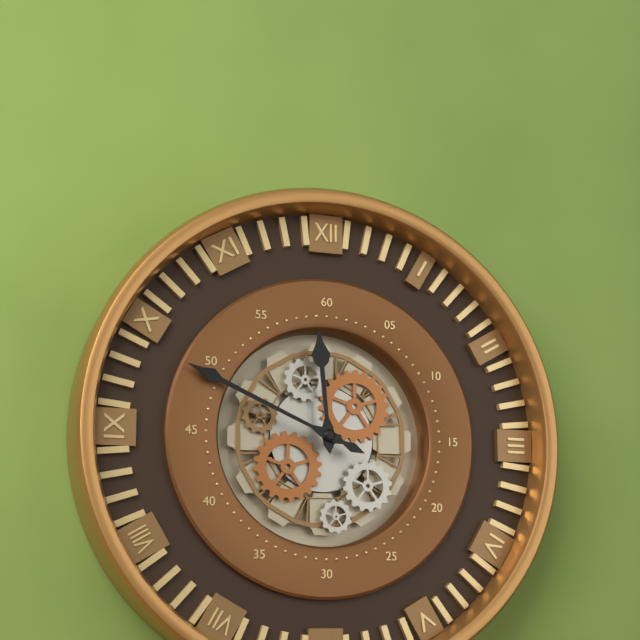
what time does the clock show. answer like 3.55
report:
11.49
